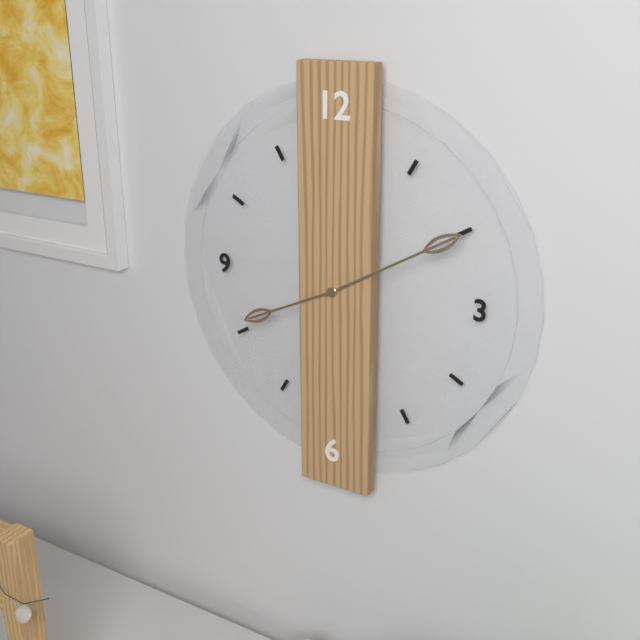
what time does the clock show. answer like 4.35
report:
8.10
